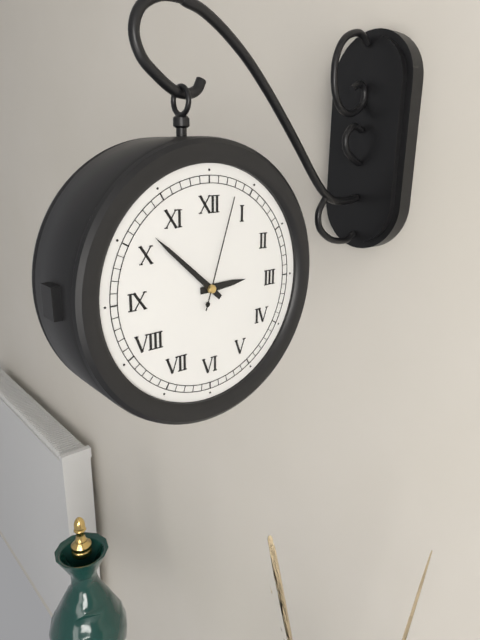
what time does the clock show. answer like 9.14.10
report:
2.52.03
